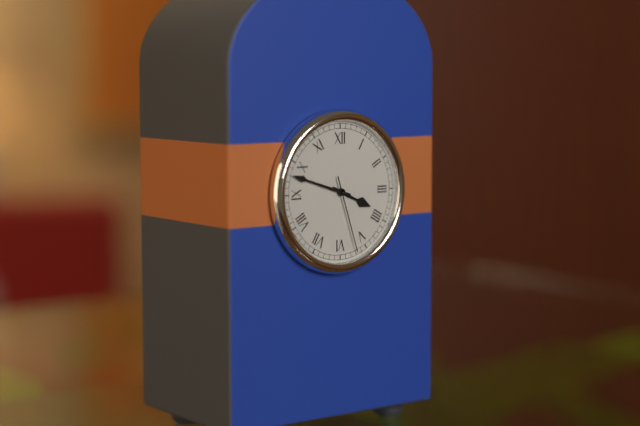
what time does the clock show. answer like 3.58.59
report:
3.48.27
